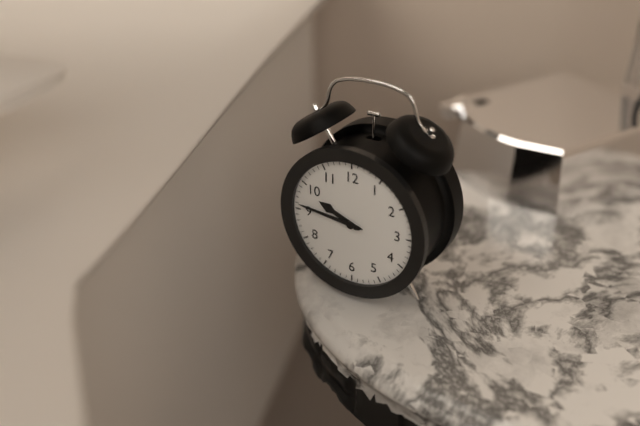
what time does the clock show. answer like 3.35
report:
9.46
